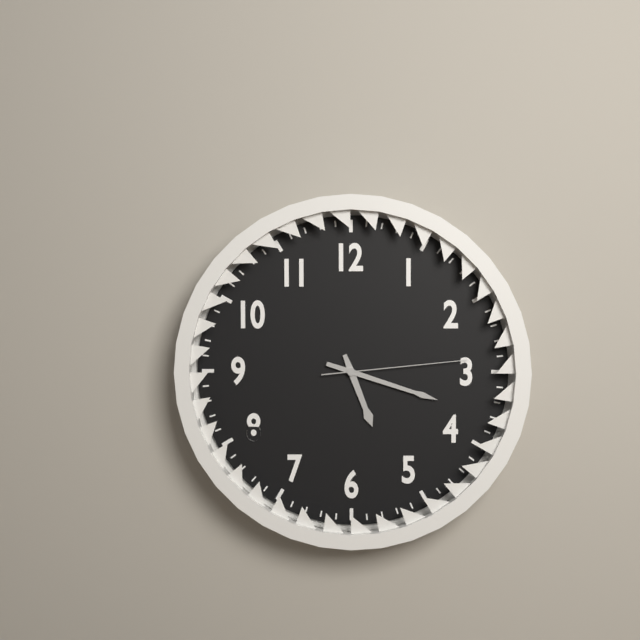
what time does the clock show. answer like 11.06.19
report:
5.18.14
